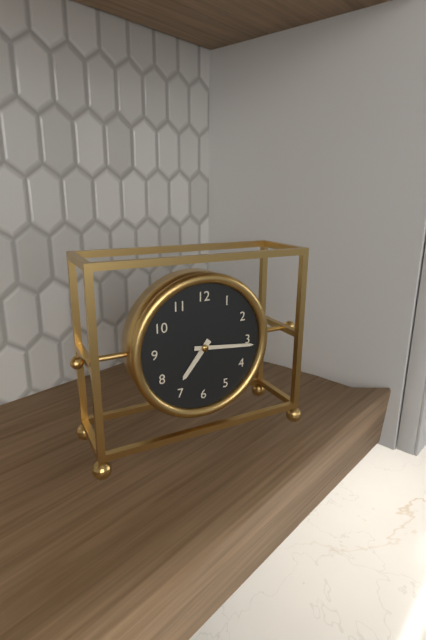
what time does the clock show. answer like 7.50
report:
7.16
